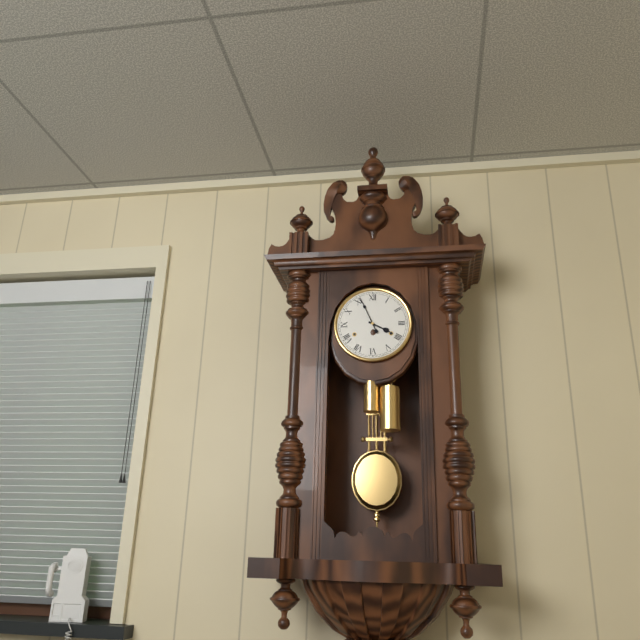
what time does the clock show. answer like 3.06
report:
3.56
